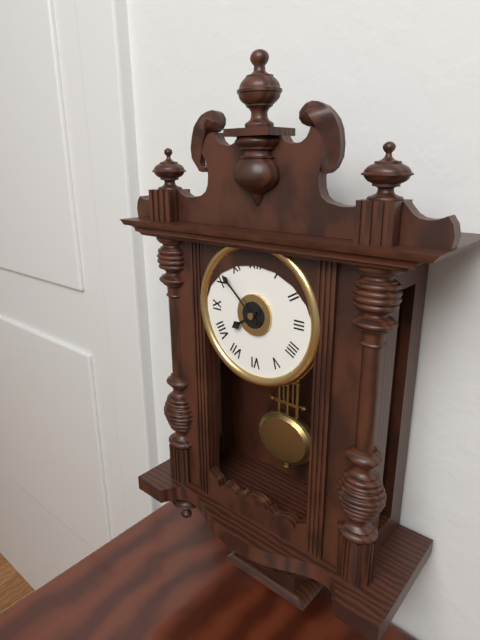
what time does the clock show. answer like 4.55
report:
7.52
